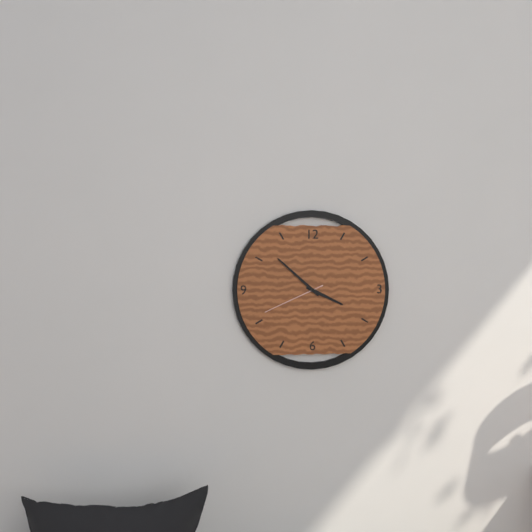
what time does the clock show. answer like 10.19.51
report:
3.52.41
